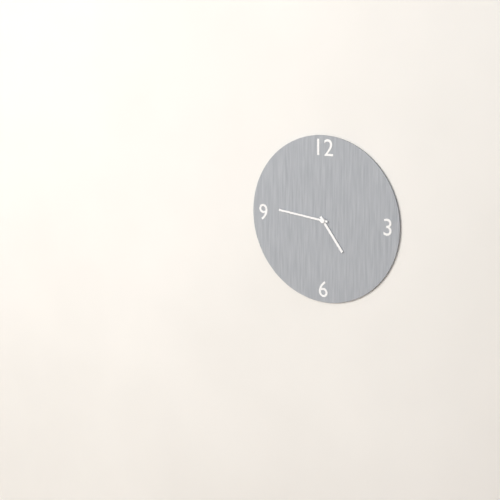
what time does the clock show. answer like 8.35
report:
4.46
